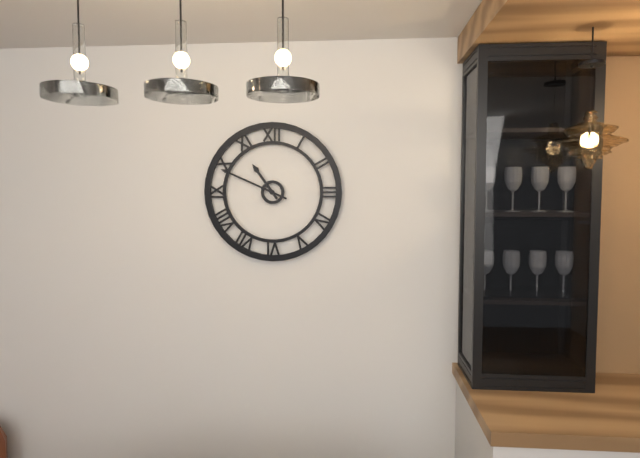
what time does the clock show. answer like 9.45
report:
10.49
